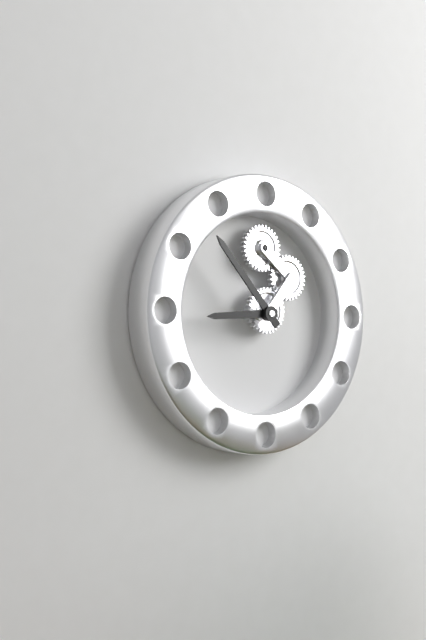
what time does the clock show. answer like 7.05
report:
8.53
